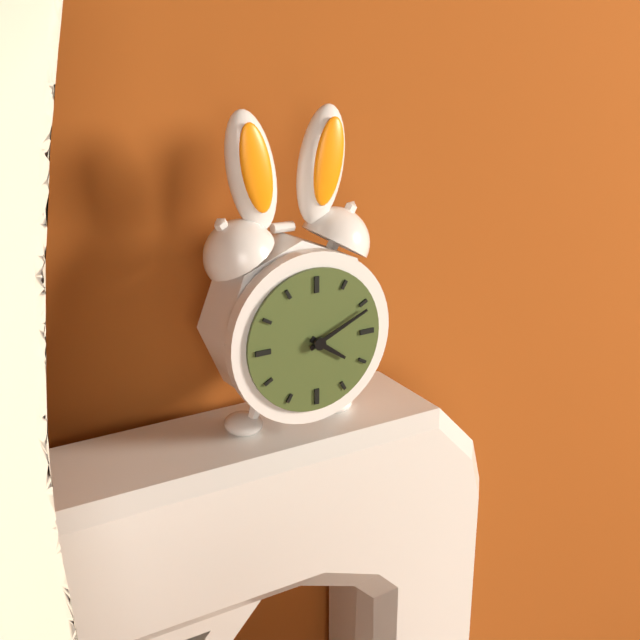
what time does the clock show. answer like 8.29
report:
4.11
